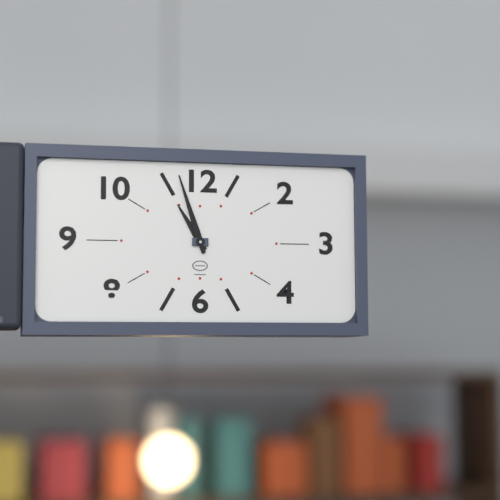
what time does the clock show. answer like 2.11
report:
10.57
